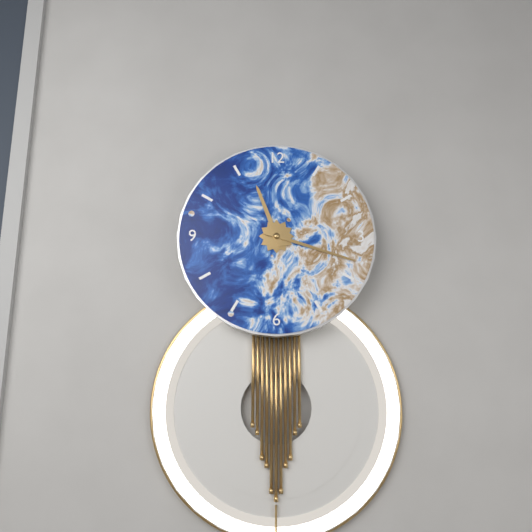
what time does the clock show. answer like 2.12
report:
11.18
